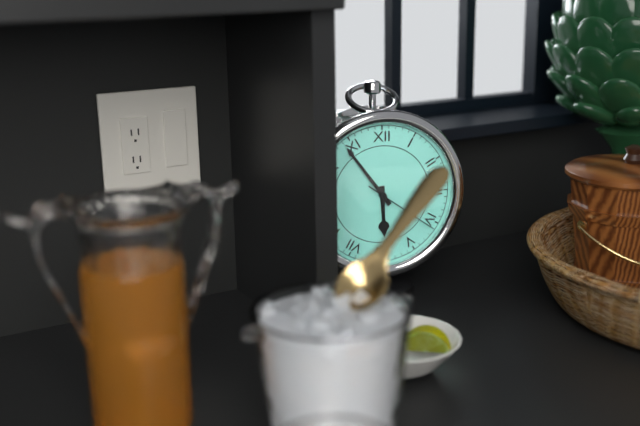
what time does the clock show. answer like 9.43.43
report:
5.54.21
